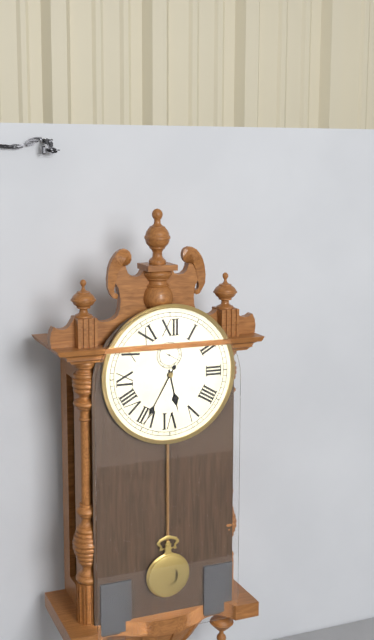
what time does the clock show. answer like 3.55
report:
5.35
